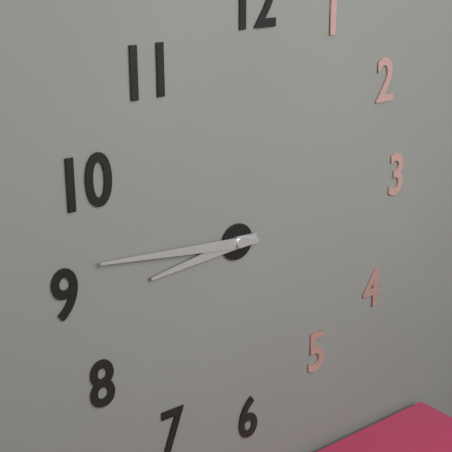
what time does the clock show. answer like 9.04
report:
8.46
